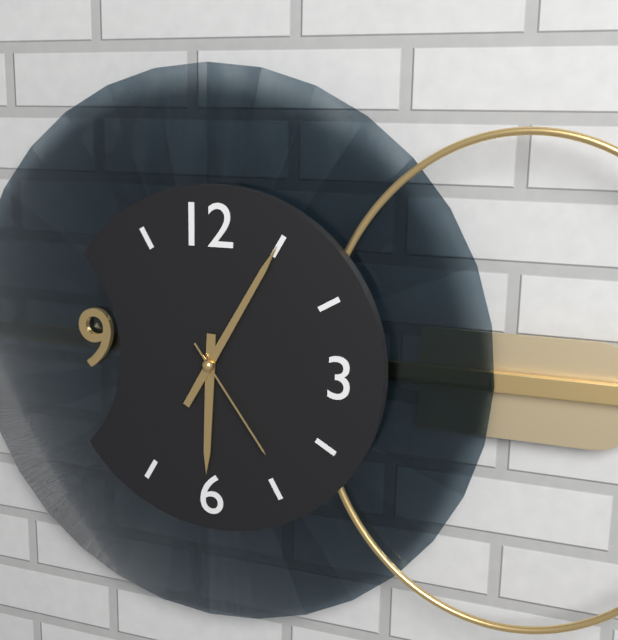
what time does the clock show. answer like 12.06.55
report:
6.05.24
